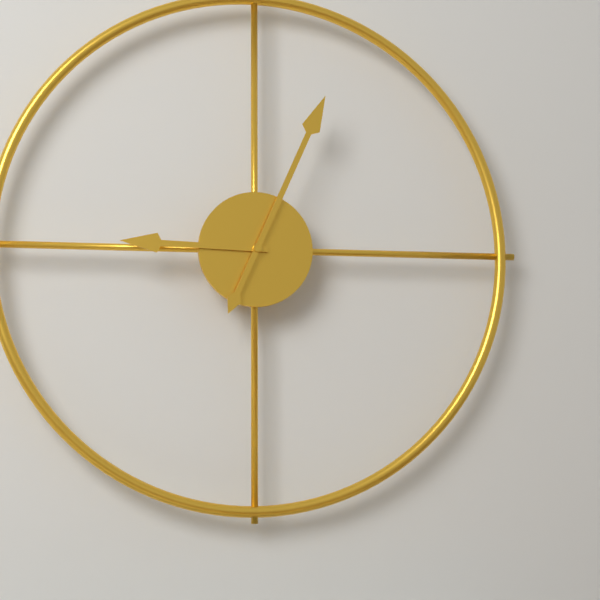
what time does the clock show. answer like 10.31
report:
9.04
